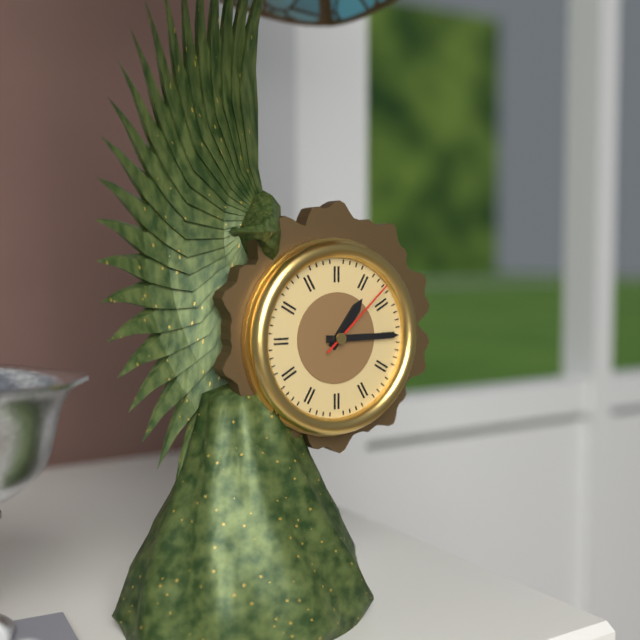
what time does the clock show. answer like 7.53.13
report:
1.15.08
